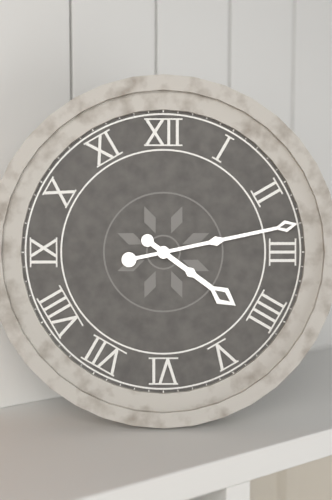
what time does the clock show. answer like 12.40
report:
4.13
